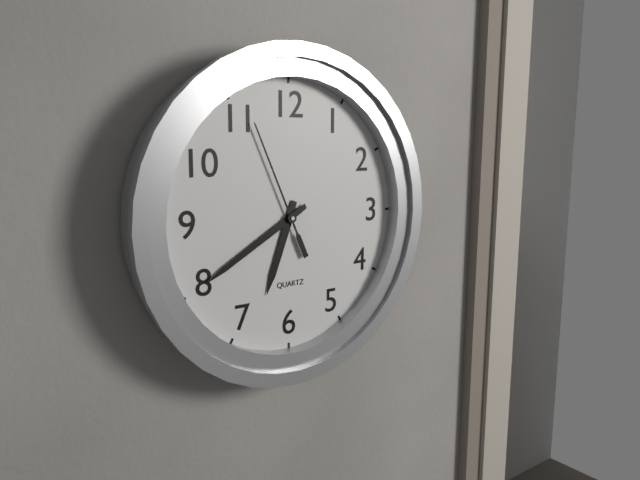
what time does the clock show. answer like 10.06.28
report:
6.40.56
